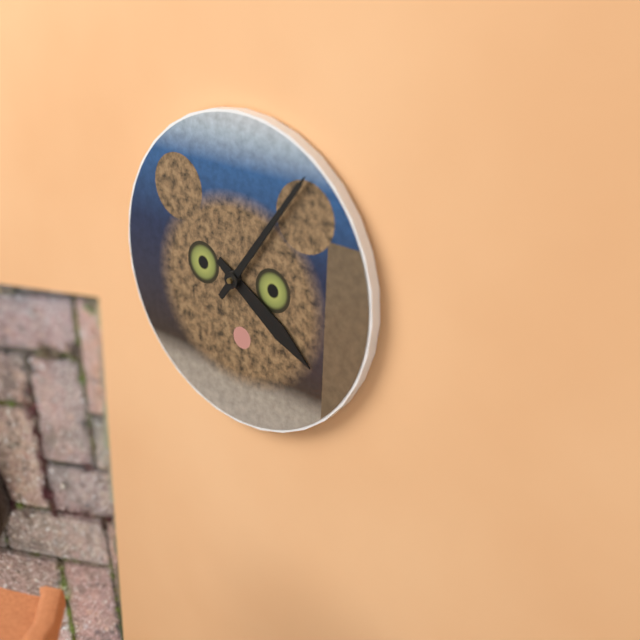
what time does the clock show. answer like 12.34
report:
4.06
